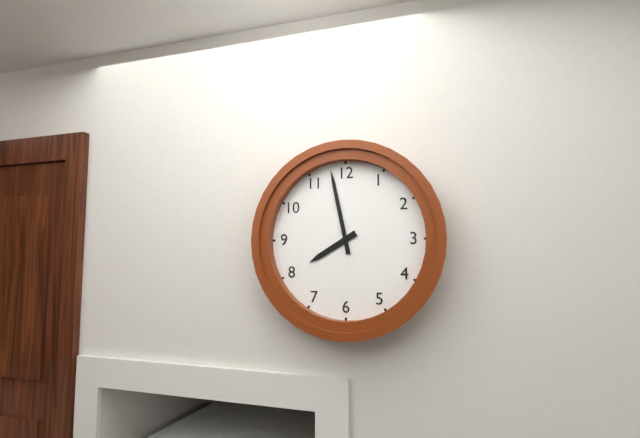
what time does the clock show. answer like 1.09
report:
7.58
